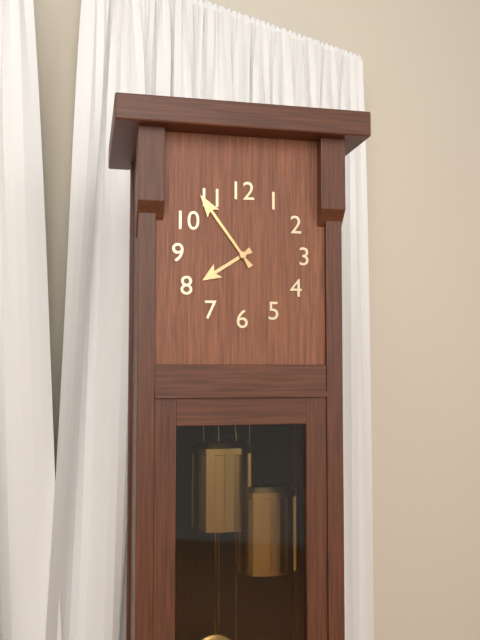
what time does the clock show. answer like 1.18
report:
7.54
